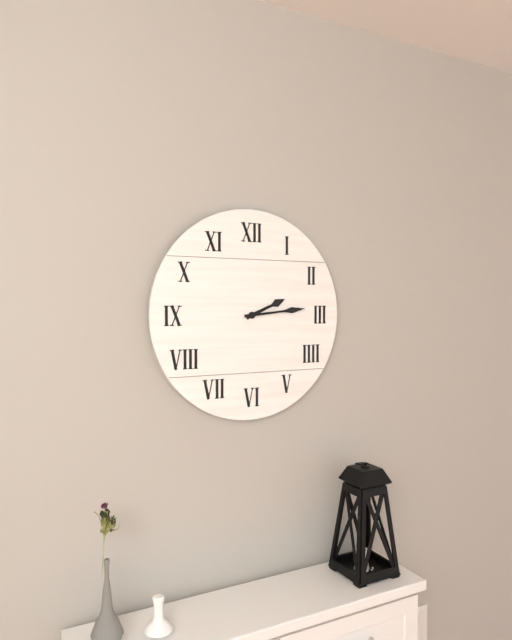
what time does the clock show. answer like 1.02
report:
2.14
